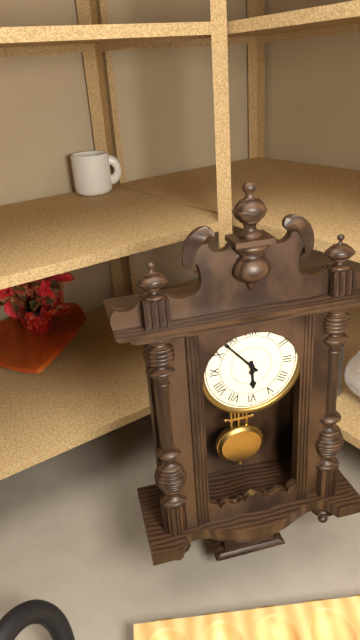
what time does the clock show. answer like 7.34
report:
5.53
